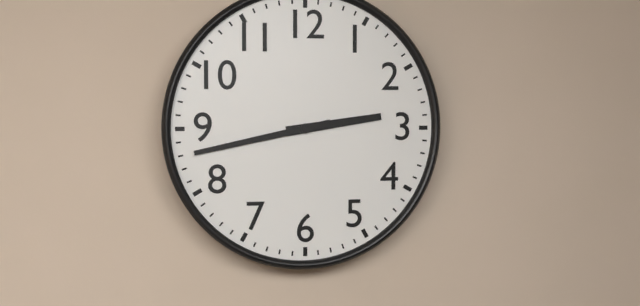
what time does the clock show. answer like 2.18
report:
2.43
